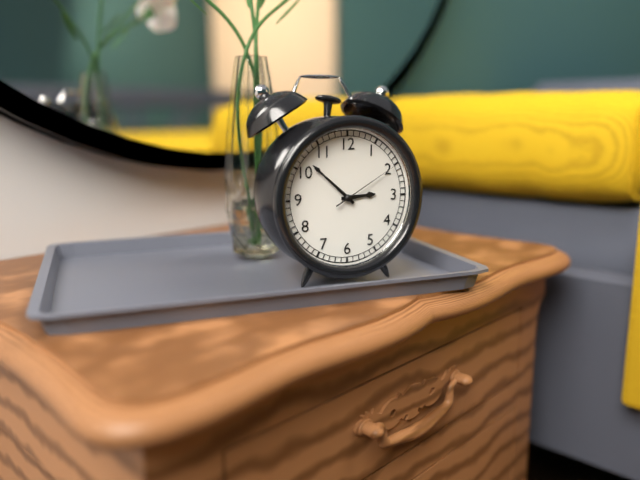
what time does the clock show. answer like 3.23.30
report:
2.52.10
